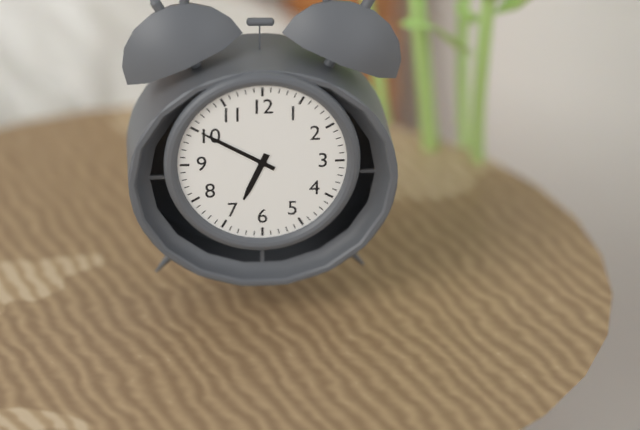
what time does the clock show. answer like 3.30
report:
6.50
